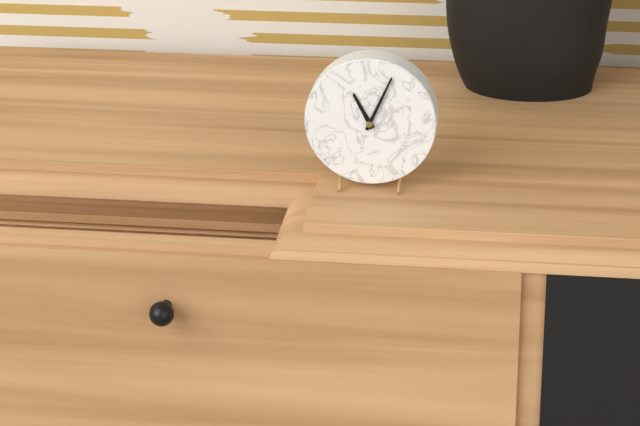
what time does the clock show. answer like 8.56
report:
11.04
